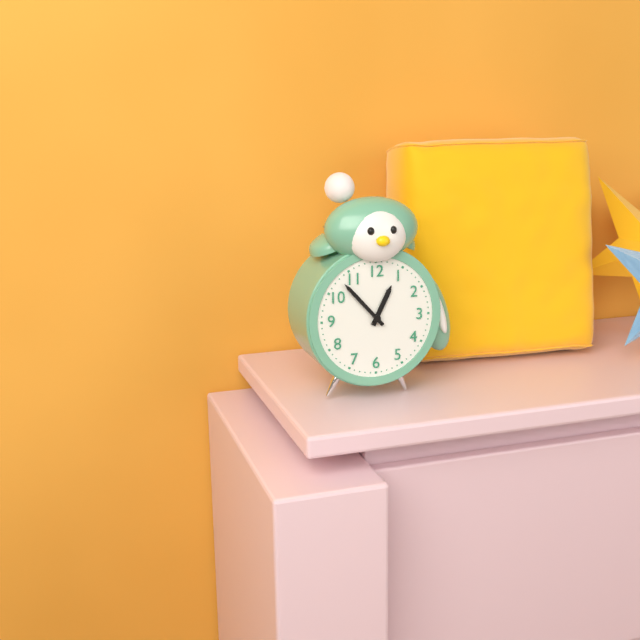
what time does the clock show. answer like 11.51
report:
12.53
